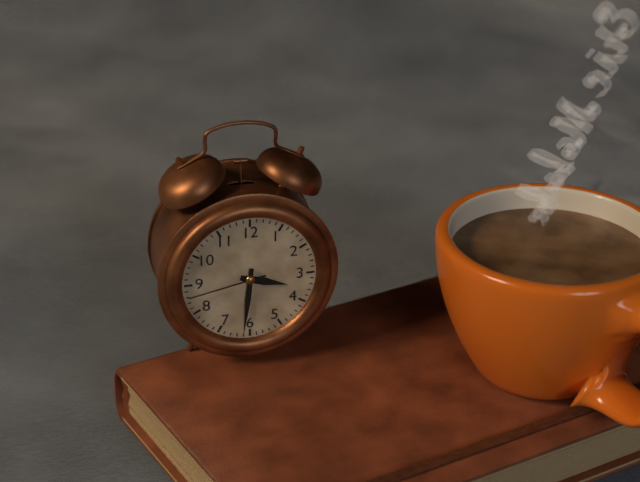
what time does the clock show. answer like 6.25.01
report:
3.31.43
